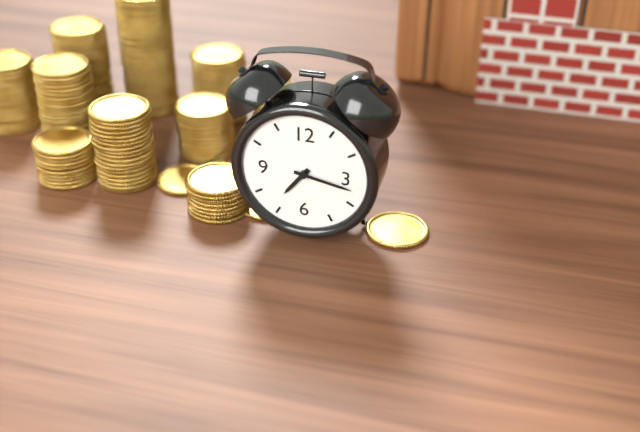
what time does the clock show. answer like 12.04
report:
7.17
